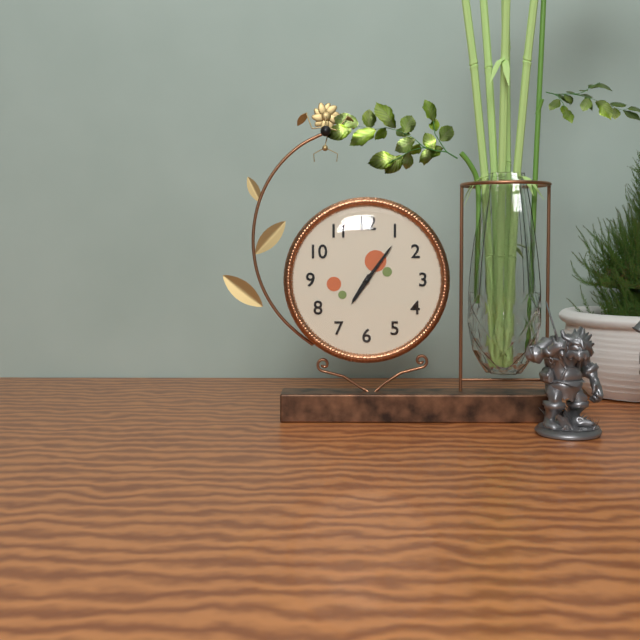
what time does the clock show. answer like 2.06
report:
7.06
